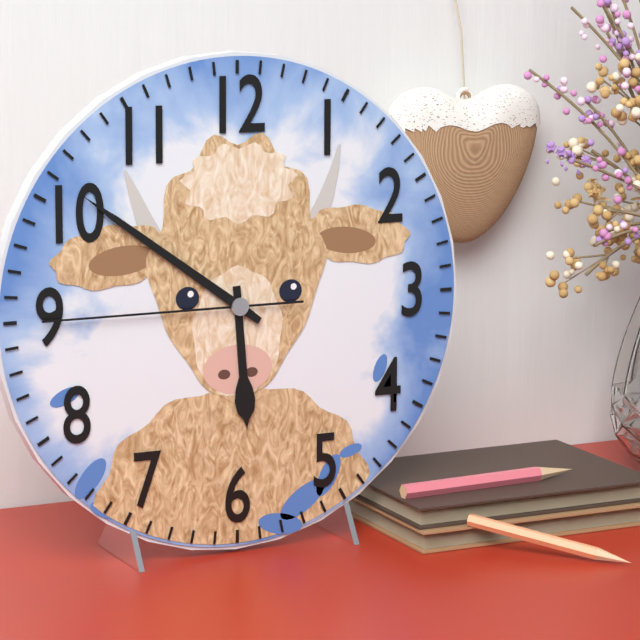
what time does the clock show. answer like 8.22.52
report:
5.51.45
